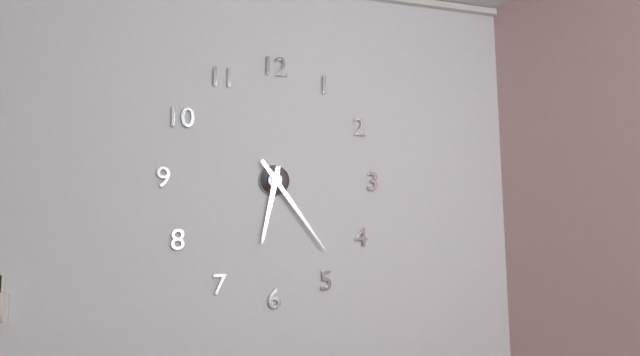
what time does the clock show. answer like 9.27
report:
6.24
